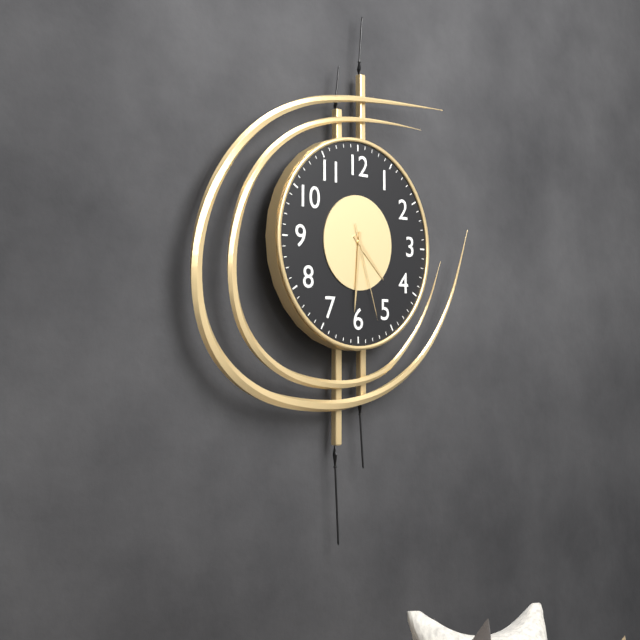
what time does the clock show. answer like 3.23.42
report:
4.31.27
